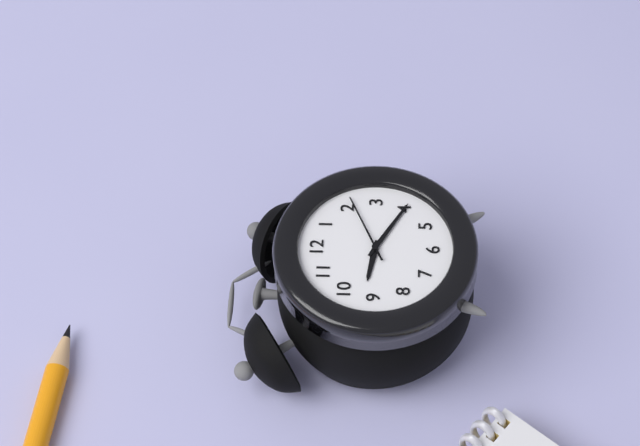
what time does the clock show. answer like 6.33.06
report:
9.20.11
